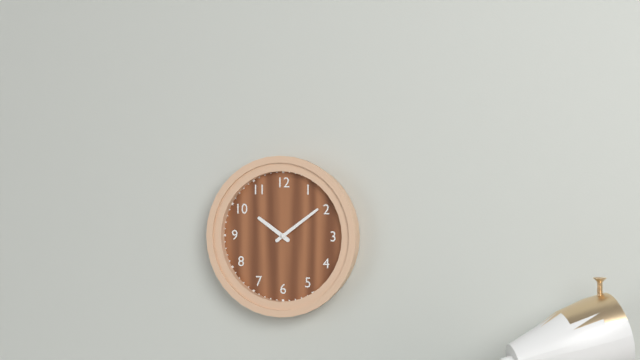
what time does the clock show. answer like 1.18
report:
10.09
